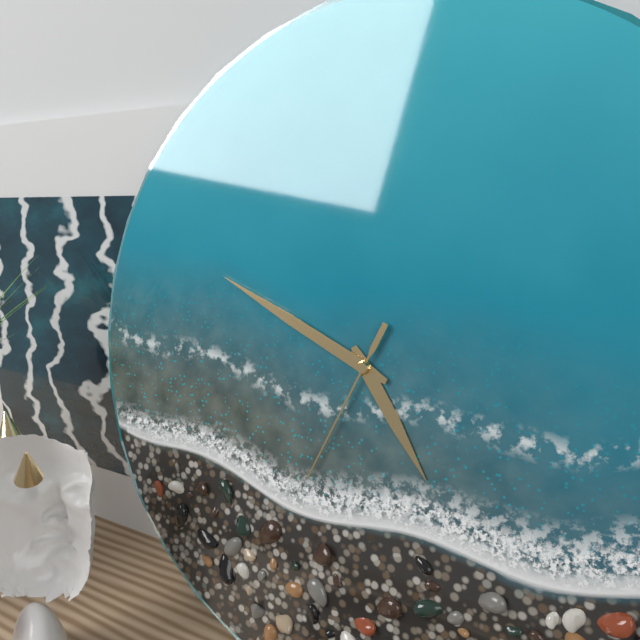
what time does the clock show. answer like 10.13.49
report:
4.49.34
